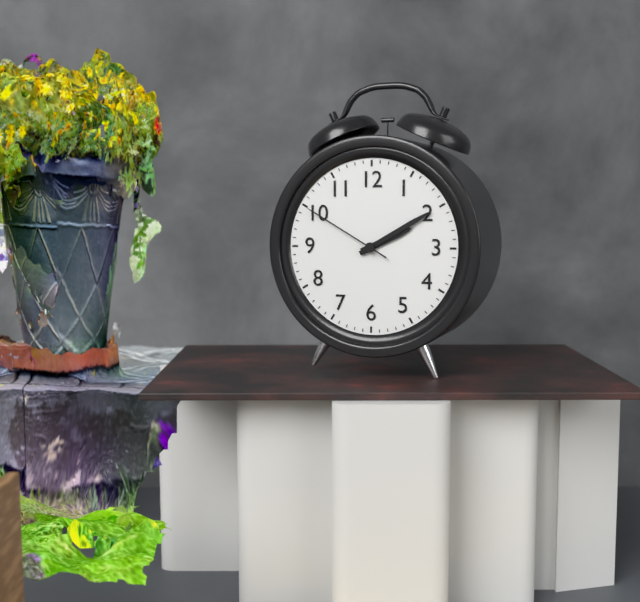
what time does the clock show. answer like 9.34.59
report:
2.10.50
